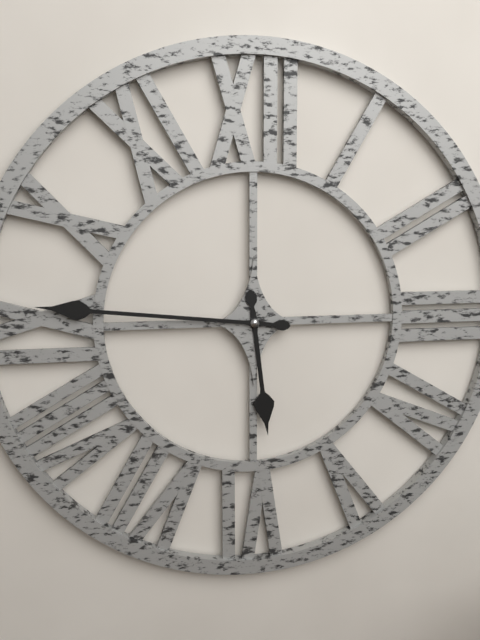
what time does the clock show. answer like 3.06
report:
5.46
